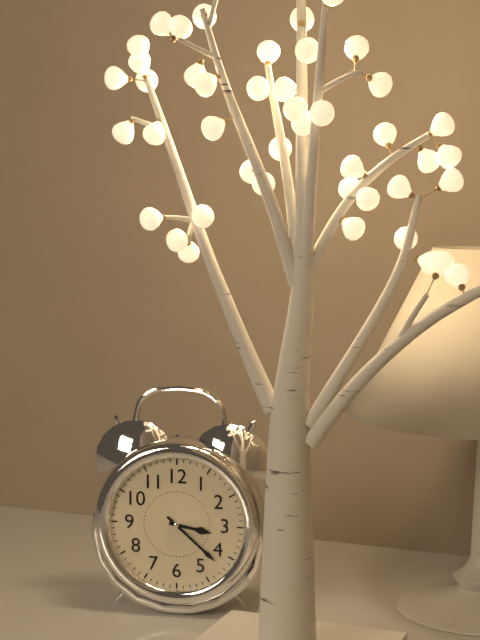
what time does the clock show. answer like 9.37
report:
3.22
